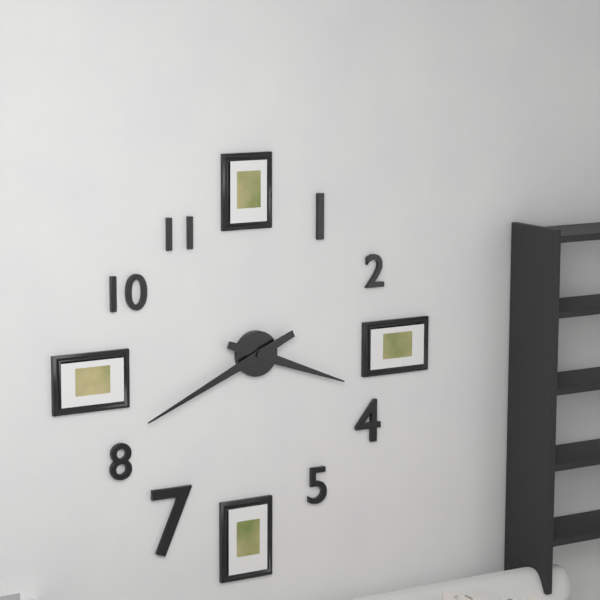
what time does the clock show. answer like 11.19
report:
3.41
